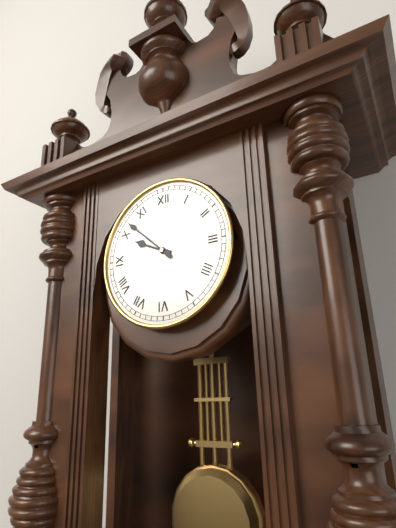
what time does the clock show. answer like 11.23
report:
9.52
